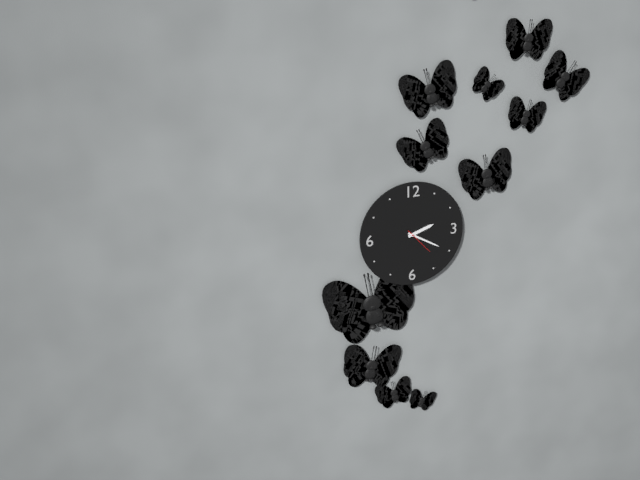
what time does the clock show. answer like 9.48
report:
2.20
